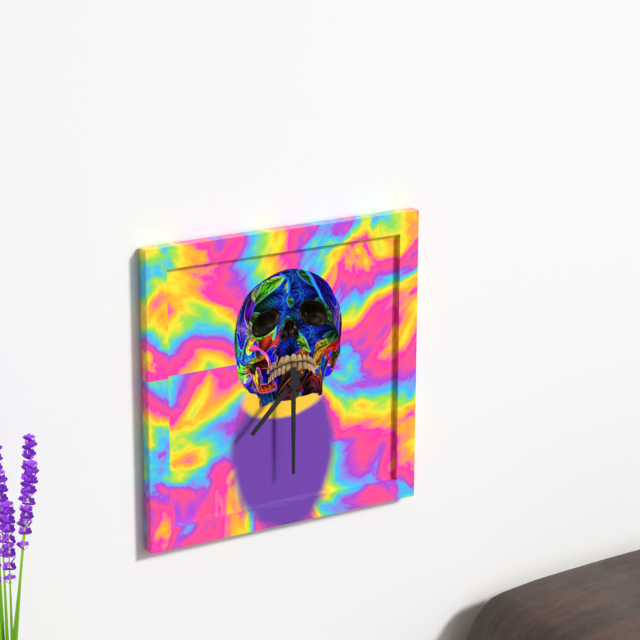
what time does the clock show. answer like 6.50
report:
7.30
